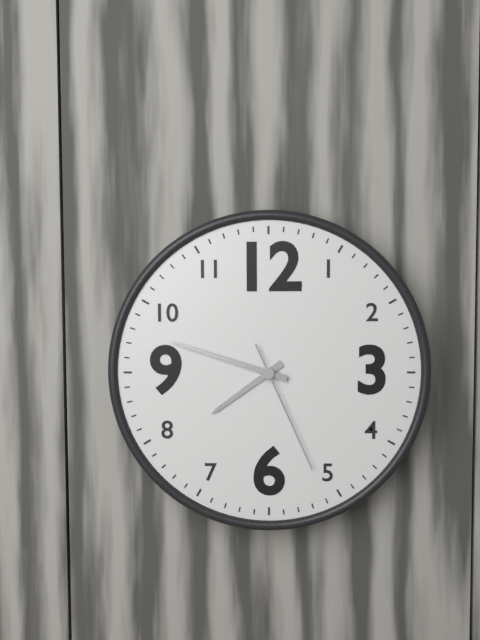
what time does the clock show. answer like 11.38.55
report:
7.48.26
